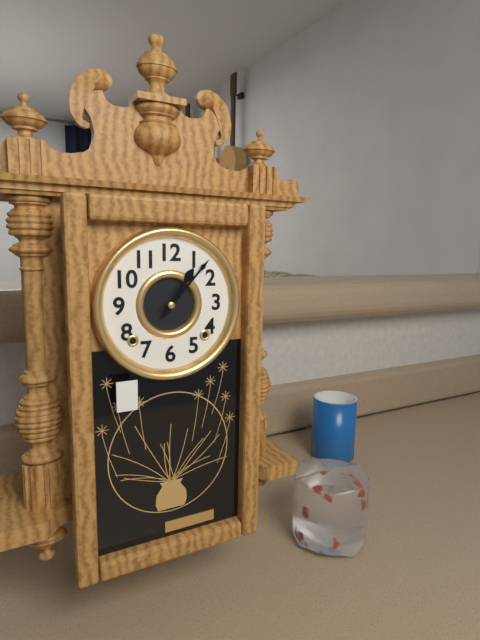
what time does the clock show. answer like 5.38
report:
1.07
